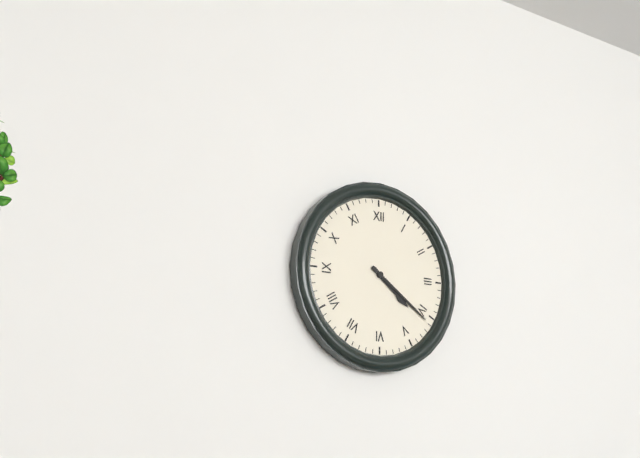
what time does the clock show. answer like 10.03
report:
4.21
